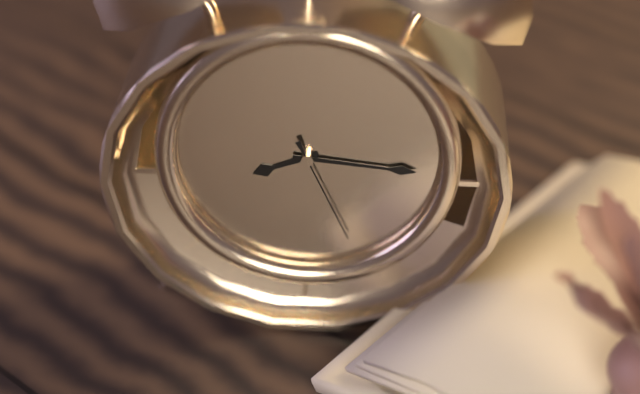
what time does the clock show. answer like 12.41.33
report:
8.16.26
